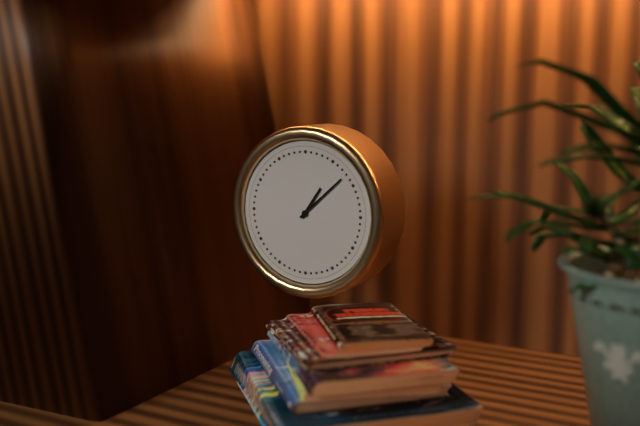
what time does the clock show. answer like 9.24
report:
1.08
